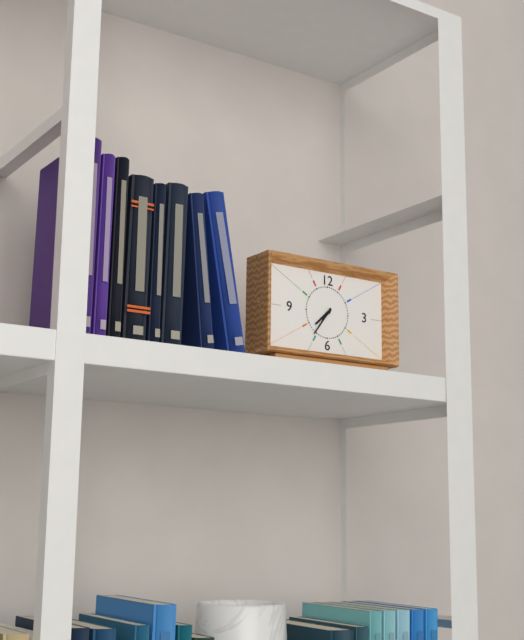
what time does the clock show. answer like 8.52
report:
7.36
